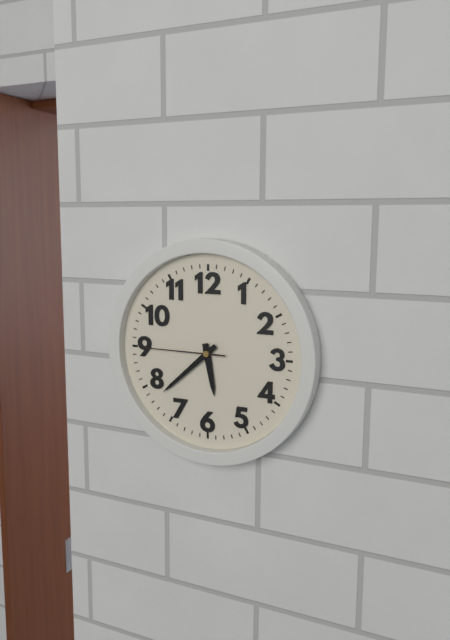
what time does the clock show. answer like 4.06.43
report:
5.38.45
